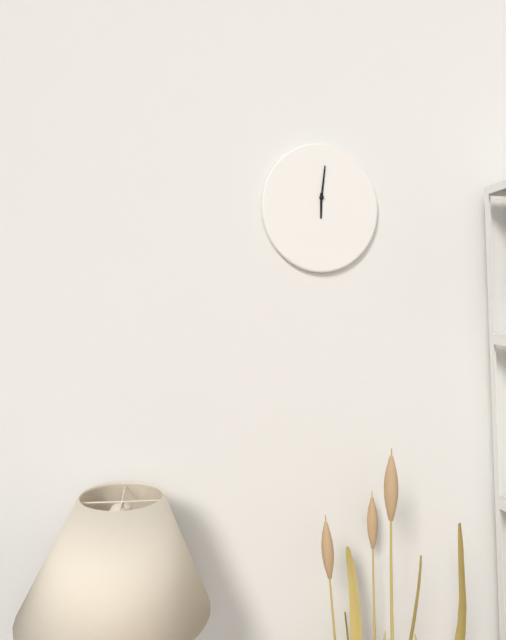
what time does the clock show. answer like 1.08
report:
6.01
